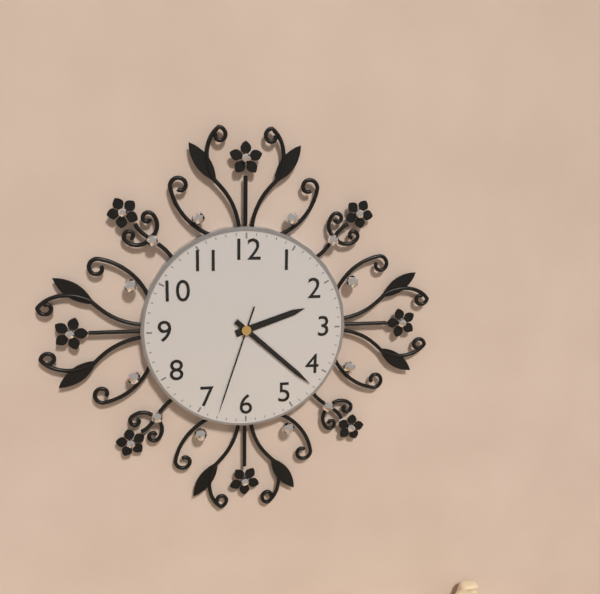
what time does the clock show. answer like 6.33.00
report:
2.22.33
